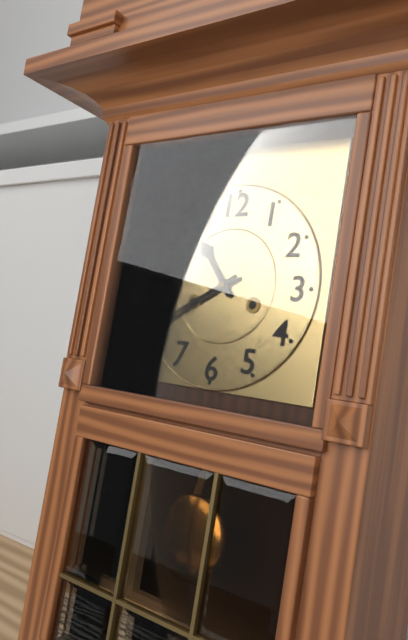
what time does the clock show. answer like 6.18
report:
10.40
